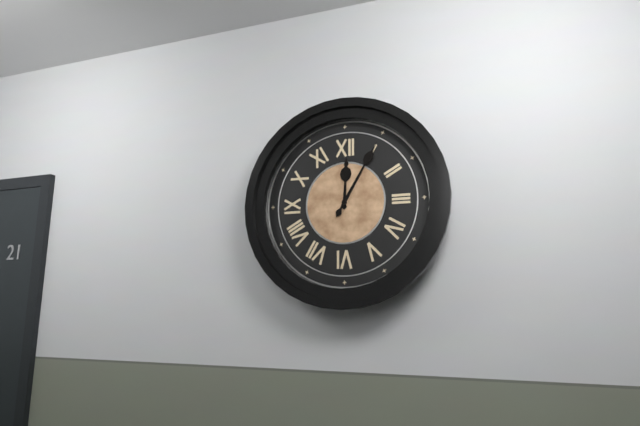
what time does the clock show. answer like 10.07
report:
12.05
